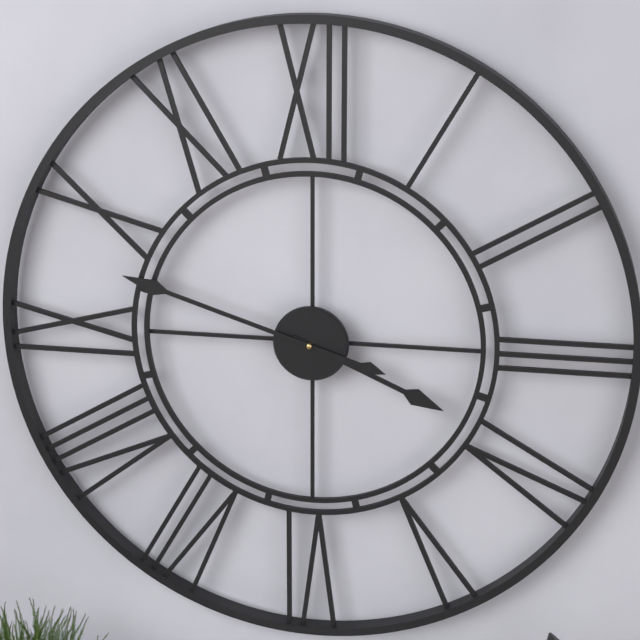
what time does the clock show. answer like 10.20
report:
3.48
